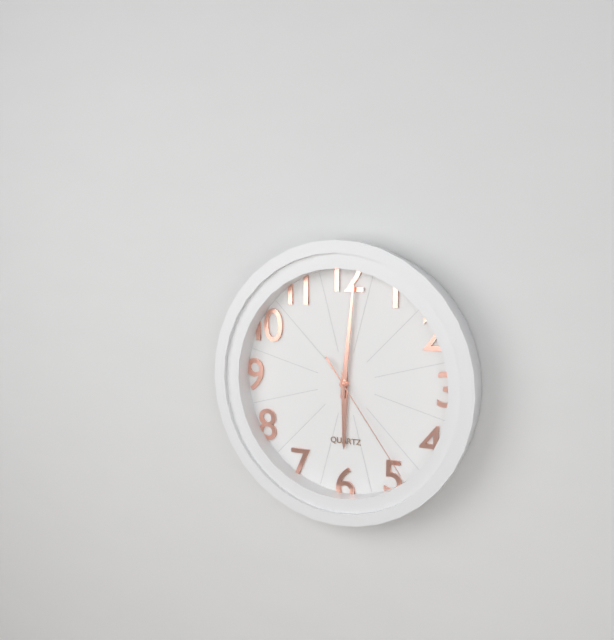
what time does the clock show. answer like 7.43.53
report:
6.01.24
